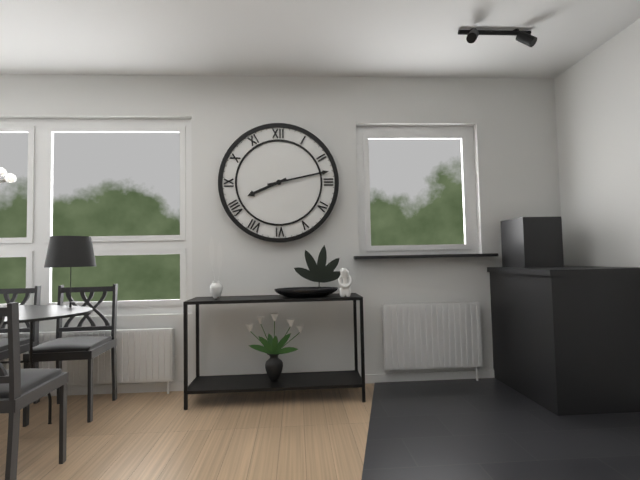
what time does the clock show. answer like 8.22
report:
8.13
